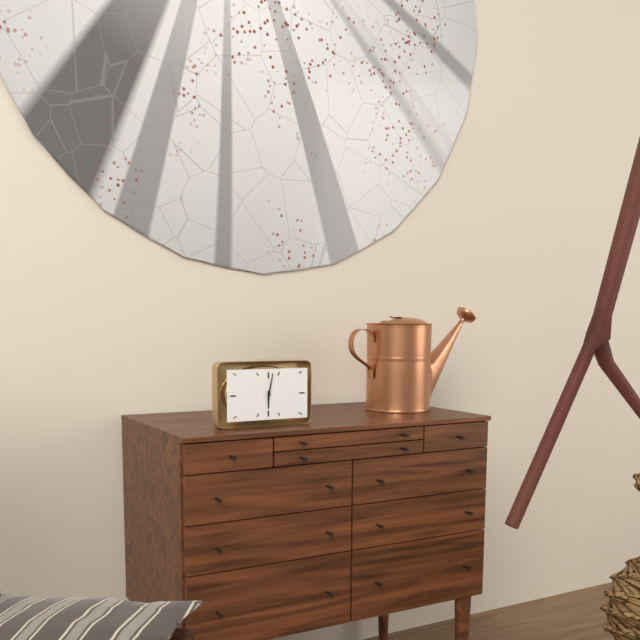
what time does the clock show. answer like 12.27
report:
6.02
